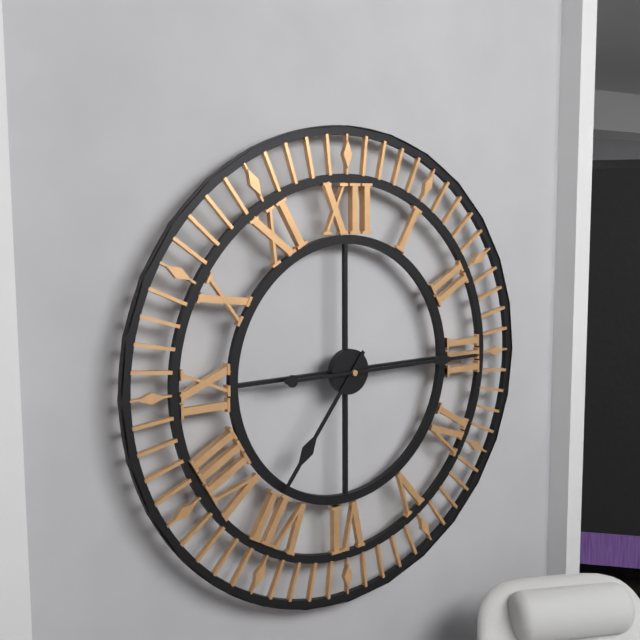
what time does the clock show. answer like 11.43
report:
7.15
